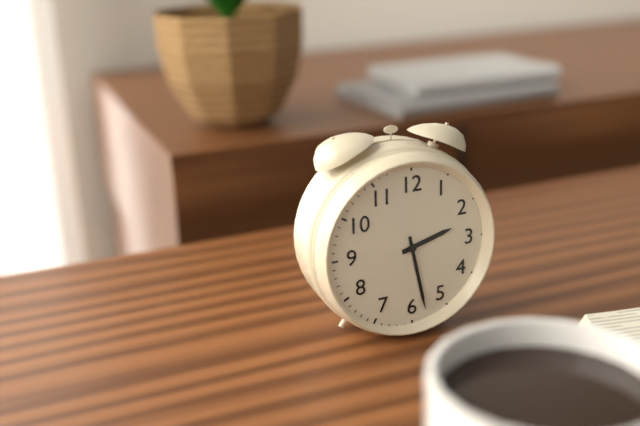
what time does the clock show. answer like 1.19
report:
2.28
